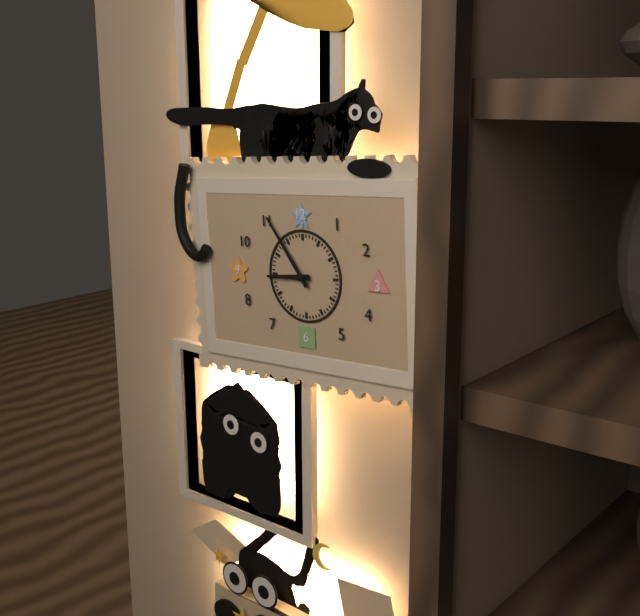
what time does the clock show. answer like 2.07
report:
8.54
